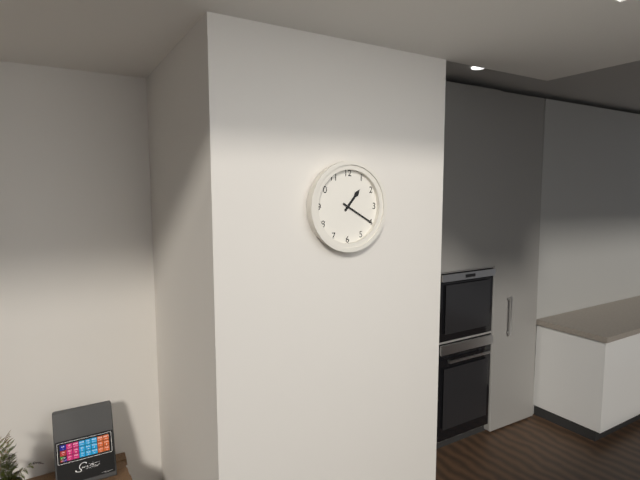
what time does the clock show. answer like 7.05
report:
1.20
